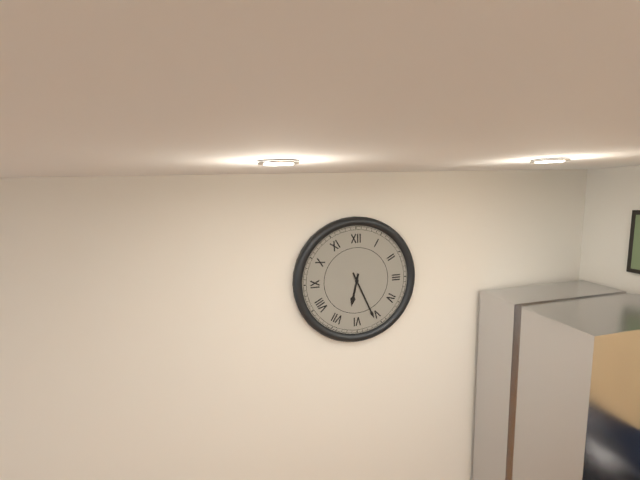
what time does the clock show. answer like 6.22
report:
6.26
